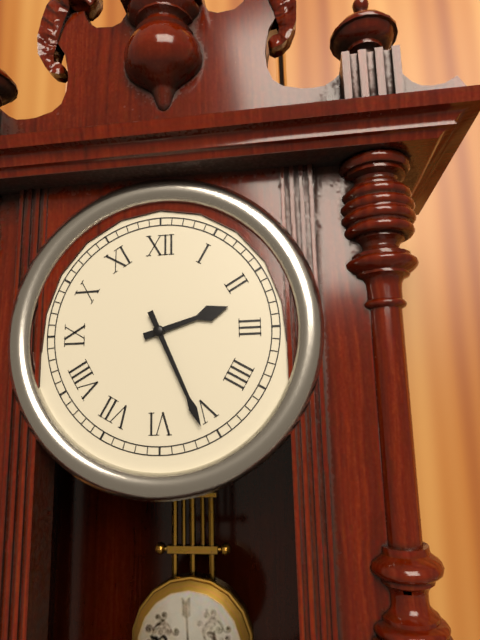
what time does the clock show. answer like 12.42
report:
2.26
